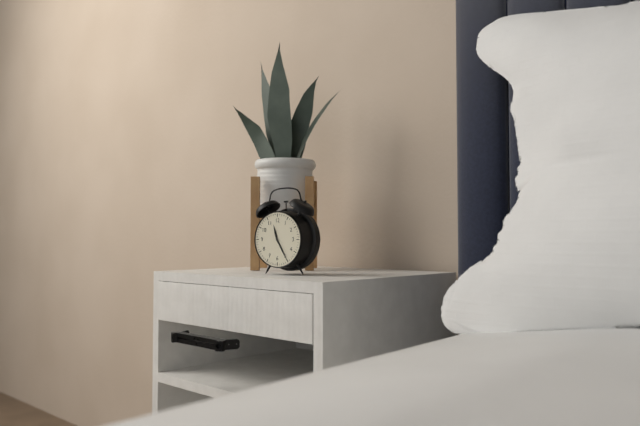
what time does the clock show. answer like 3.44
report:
11.25
